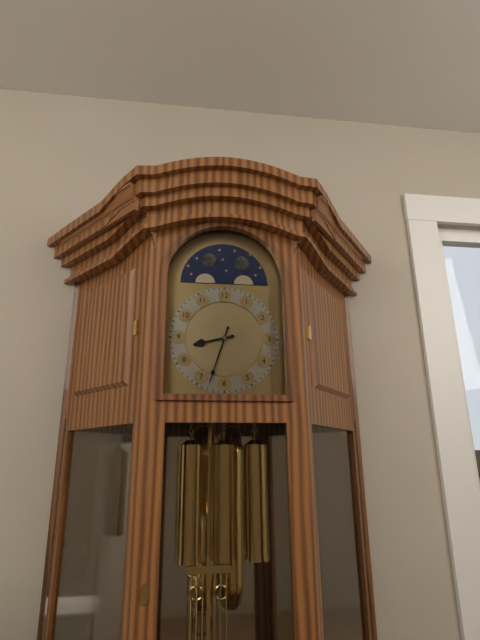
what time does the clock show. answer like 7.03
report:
8.33
